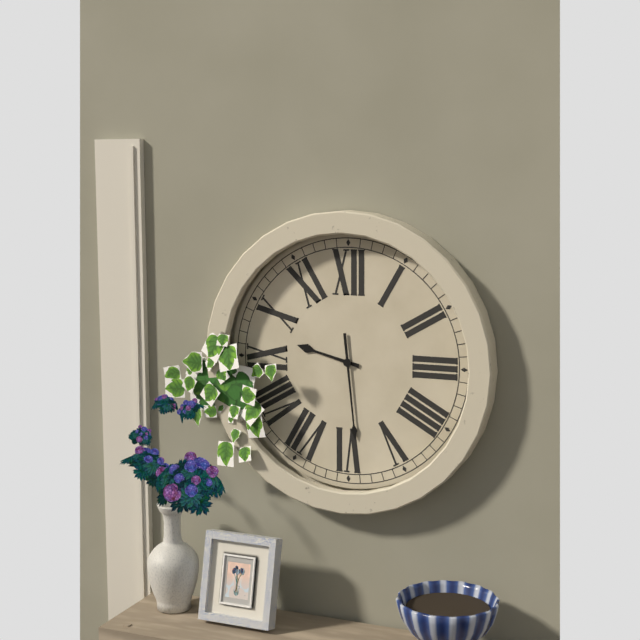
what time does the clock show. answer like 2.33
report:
9.29
